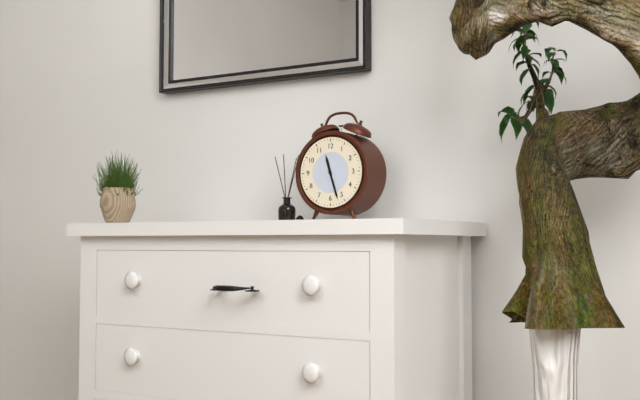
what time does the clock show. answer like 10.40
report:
11.27
